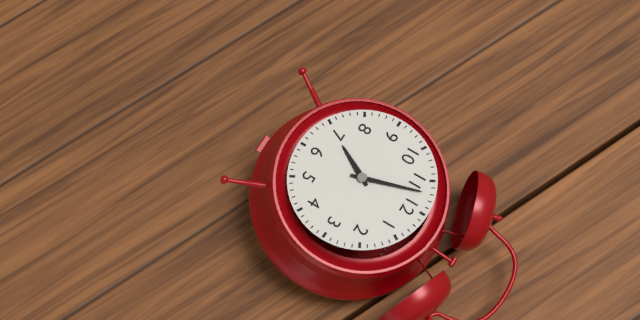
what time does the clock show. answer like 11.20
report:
6.57
